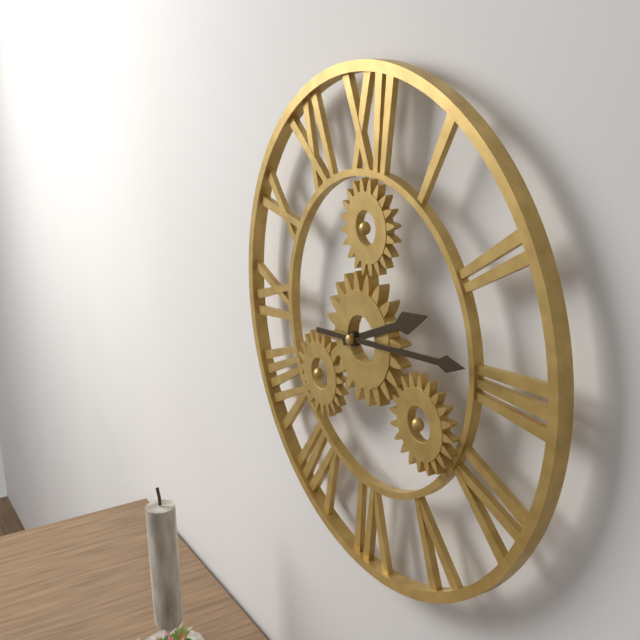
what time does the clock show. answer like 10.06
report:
2.14
